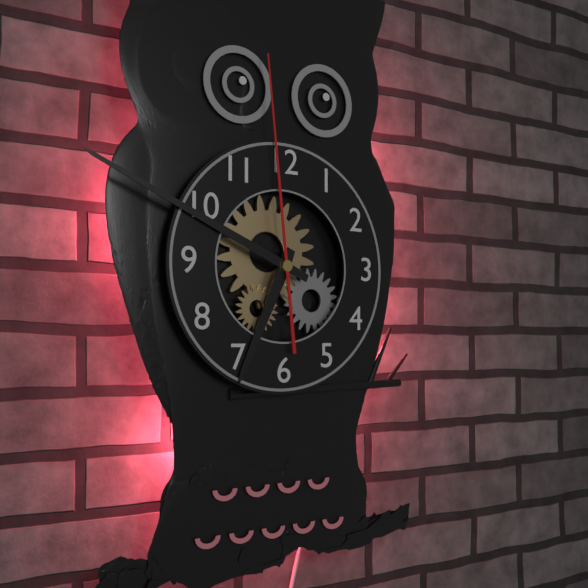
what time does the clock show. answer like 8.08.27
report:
6.49.59
